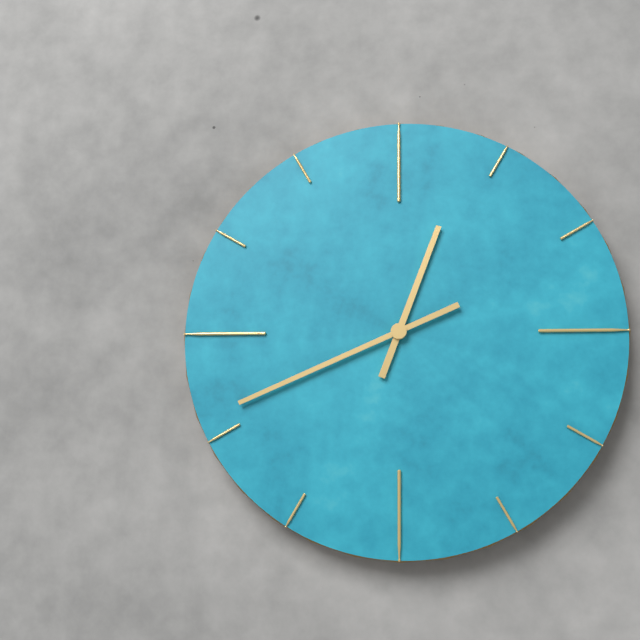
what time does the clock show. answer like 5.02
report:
12.41
